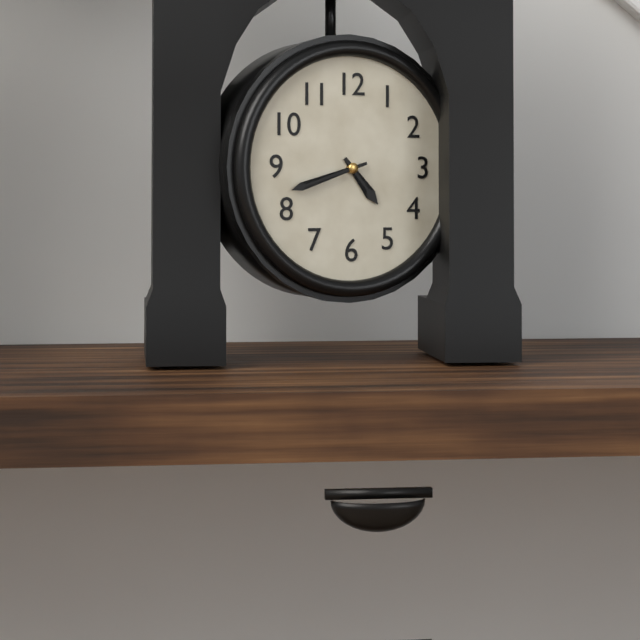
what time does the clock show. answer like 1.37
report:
4.42
